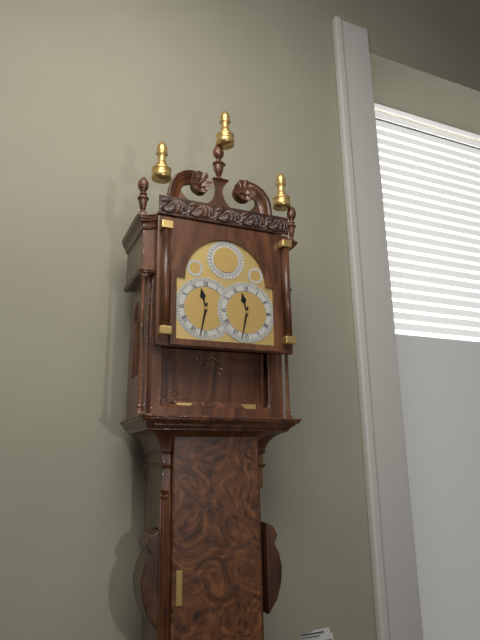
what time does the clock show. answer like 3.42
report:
11.32
